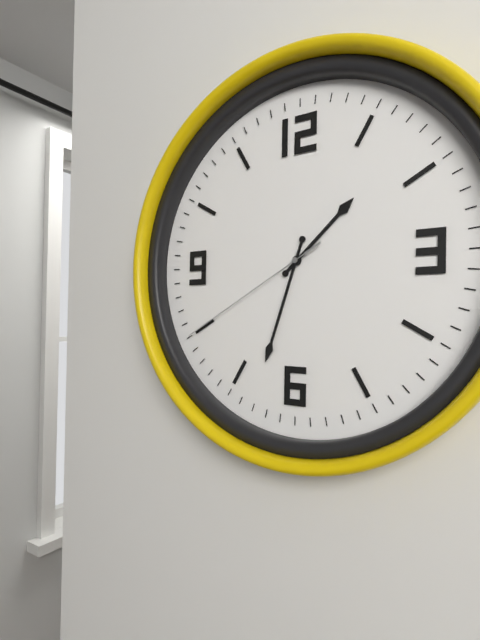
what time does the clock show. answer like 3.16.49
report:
1.33.40
